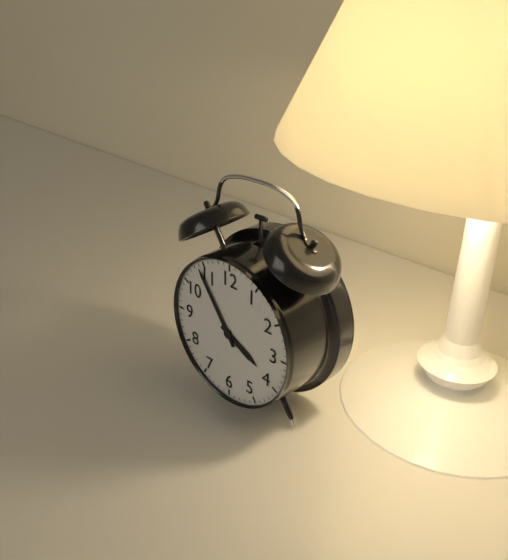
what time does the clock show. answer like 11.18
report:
3.54
